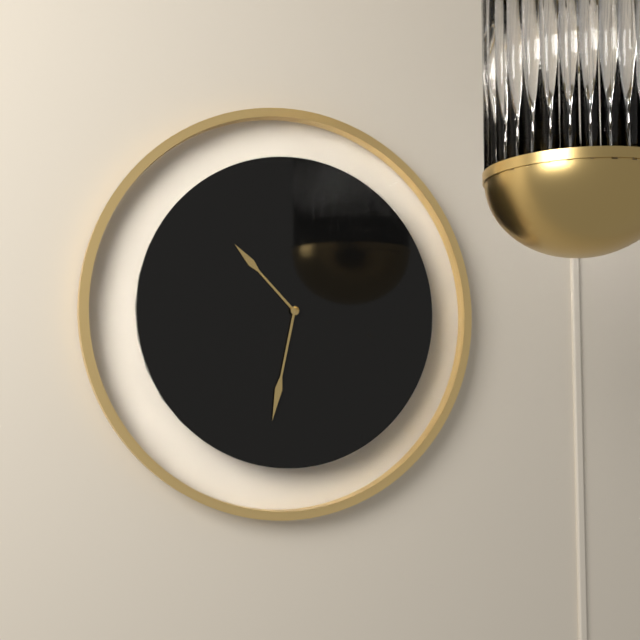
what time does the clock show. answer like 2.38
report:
10.32
